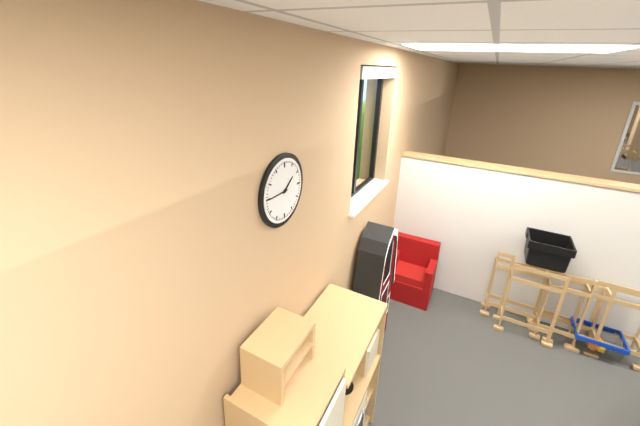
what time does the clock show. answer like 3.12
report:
1.45
